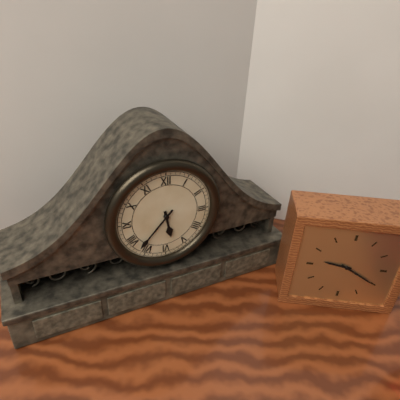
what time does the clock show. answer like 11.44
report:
5.37
